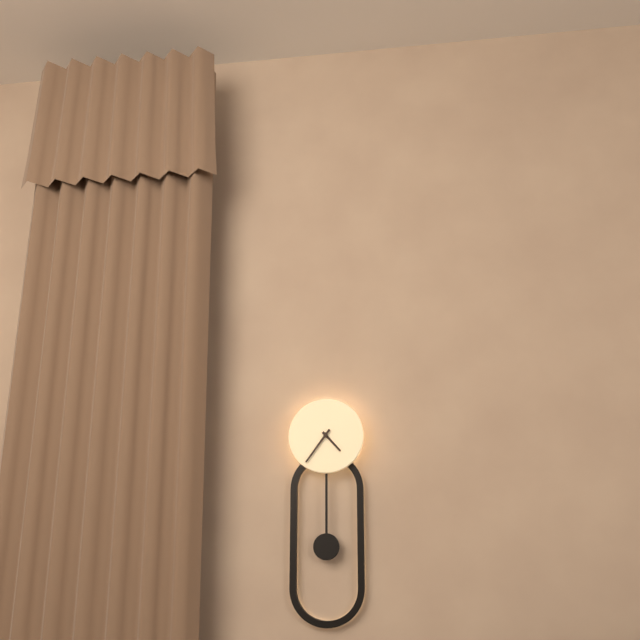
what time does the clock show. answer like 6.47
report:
4.36
